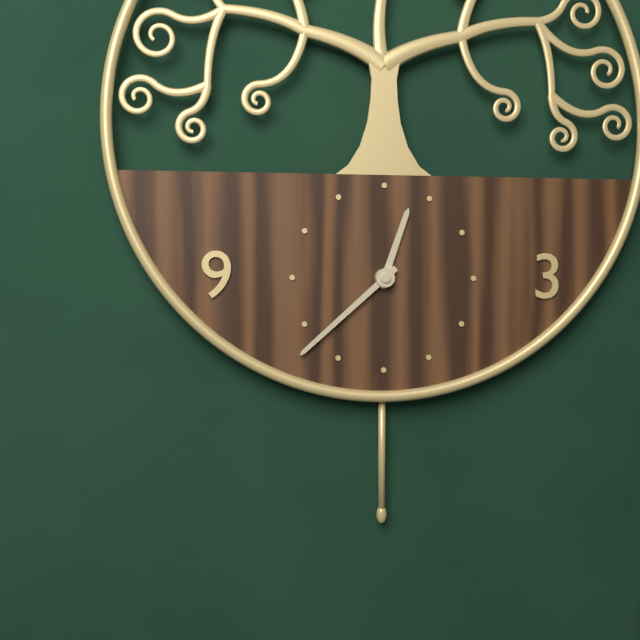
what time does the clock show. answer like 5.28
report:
12.38
